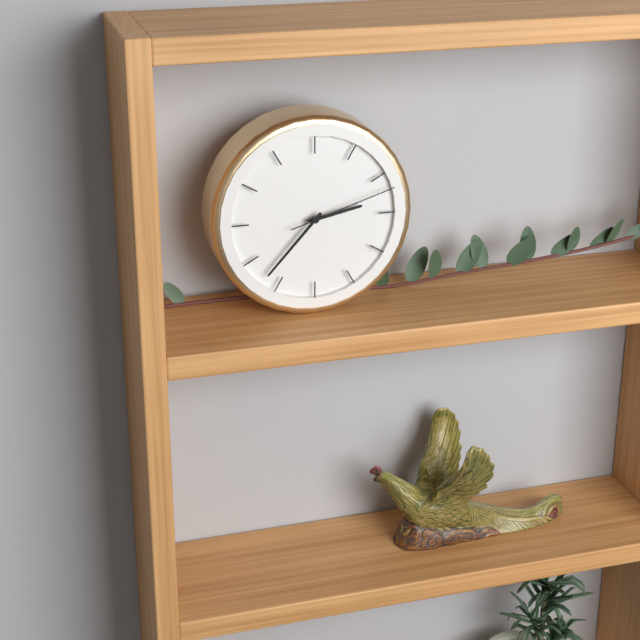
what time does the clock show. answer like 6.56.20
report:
2.37.12
